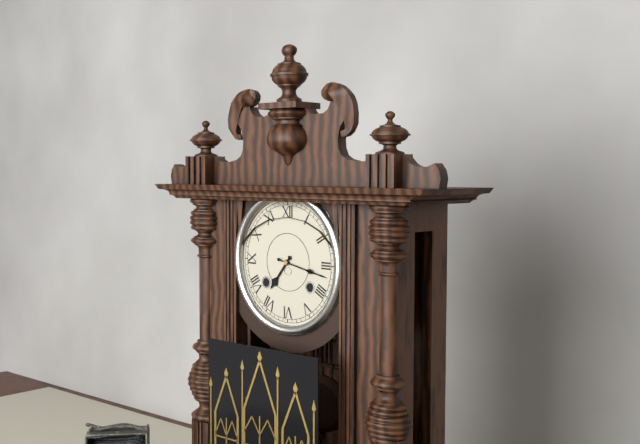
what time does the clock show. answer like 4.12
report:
7.17
